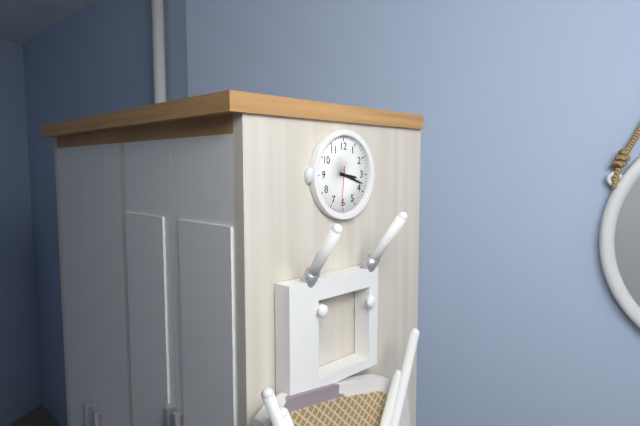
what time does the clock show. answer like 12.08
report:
3.18
